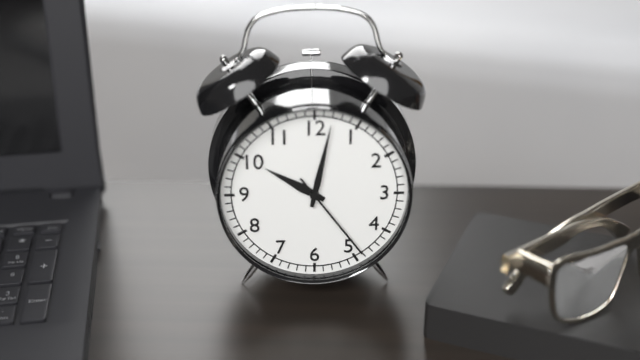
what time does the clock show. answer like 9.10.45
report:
10.02.24
